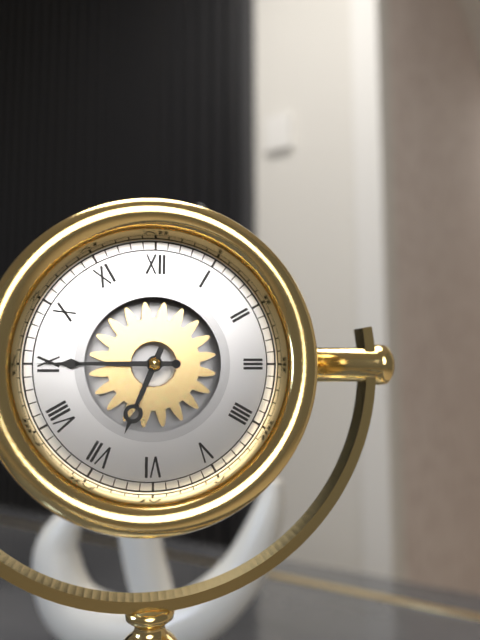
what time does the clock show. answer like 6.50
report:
6.45
